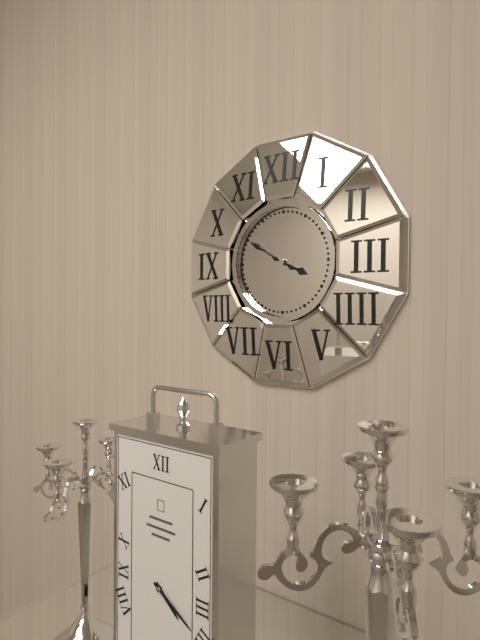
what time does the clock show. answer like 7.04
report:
3.50
